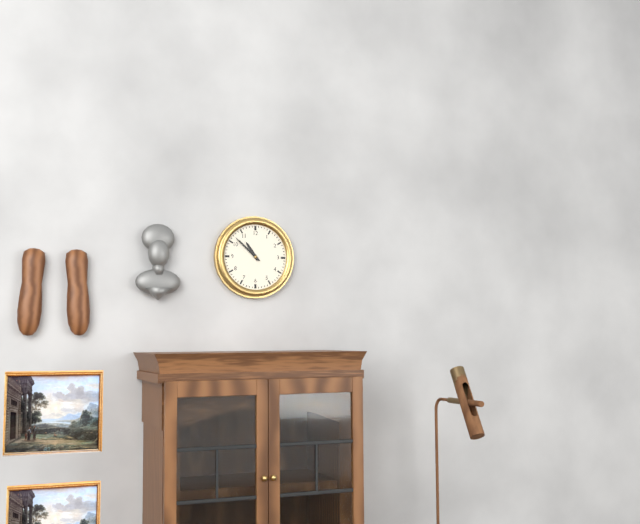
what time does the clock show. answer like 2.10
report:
10.52
